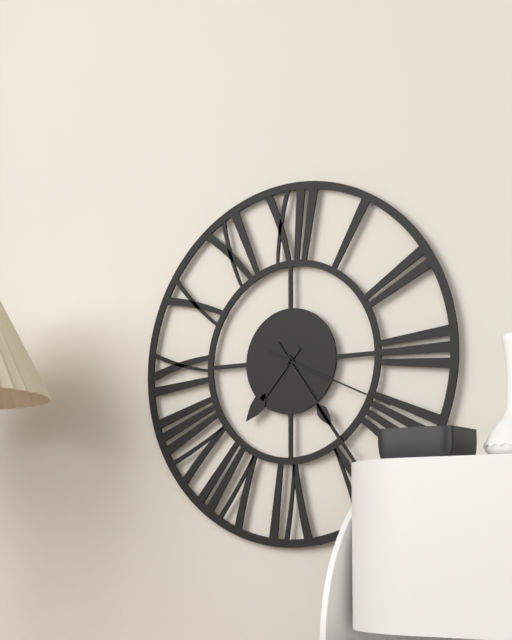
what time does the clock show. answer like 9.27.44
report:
7.24.19
